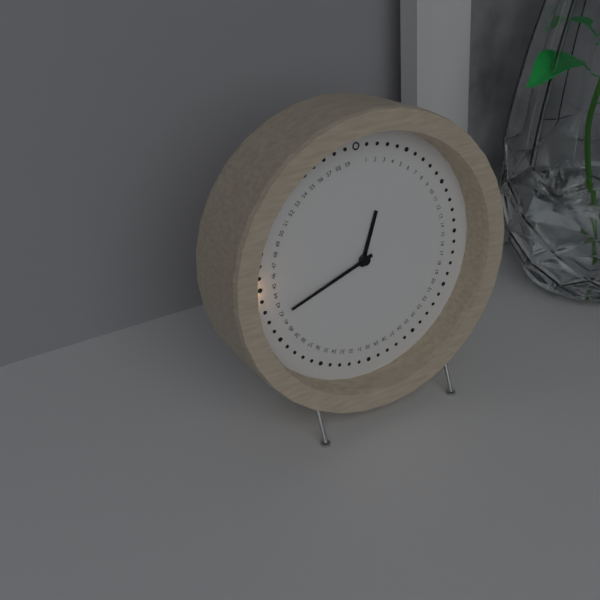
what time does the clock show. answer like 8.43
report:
12.42
